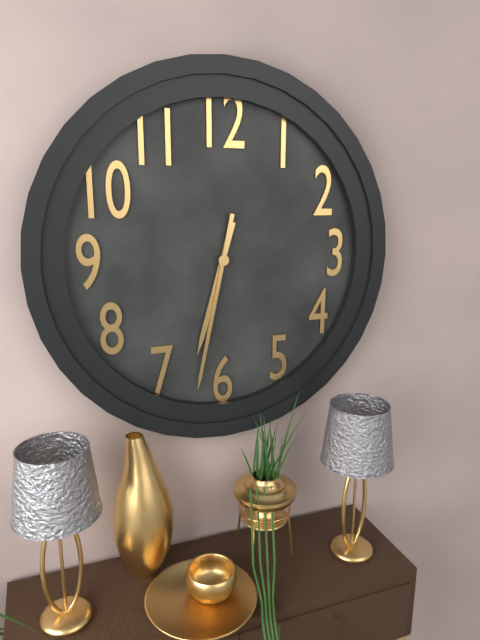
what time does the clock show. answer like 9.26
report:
6.32
